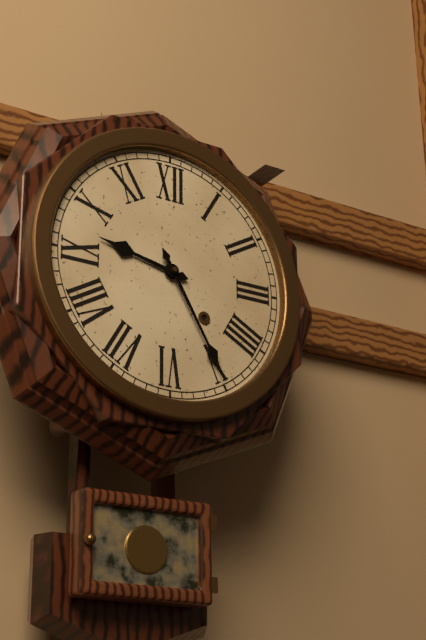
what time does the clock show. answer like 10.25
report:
9.25
